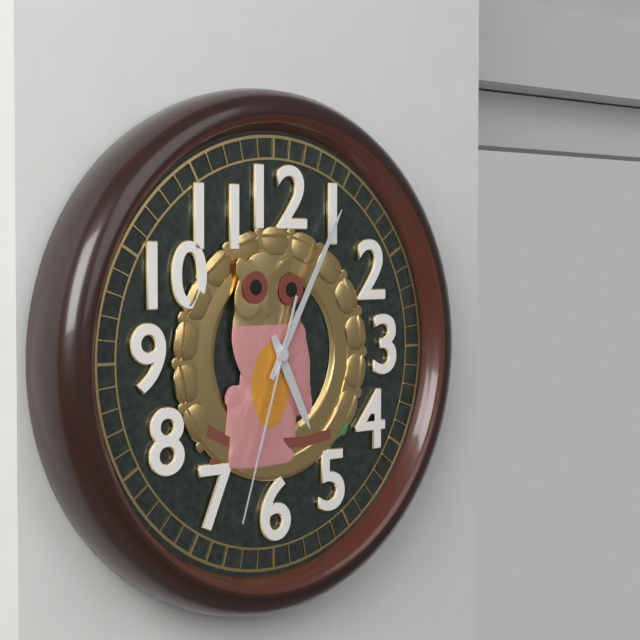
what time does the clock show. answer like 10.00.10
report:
5.05.33
